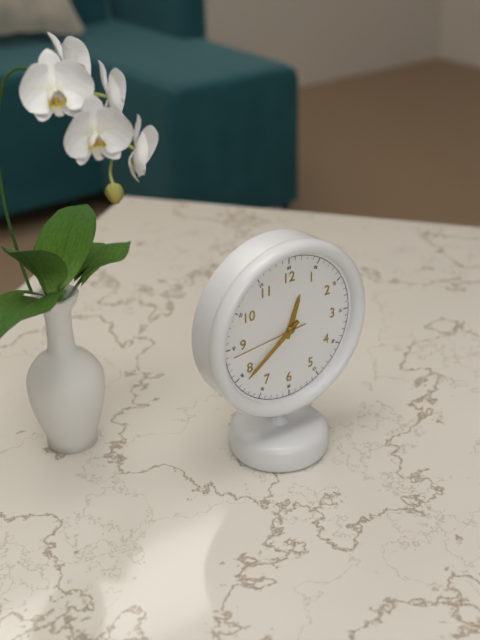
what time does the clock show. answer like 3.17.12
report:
12.39.44
